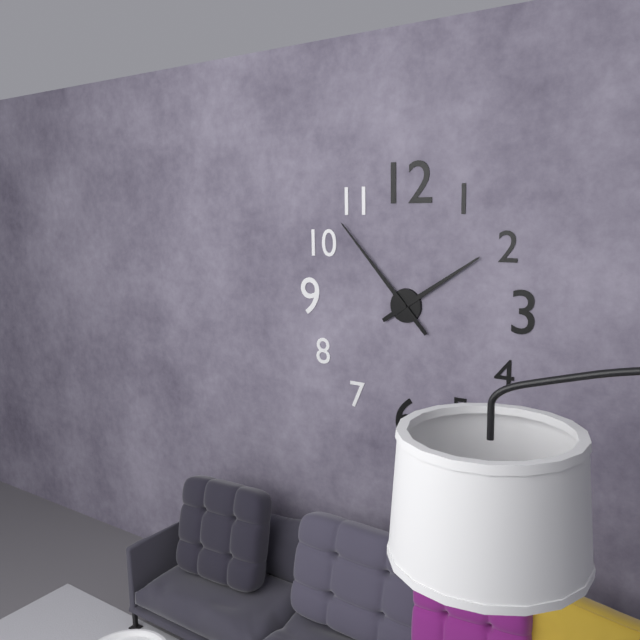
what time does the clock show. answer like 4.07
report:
1.53
